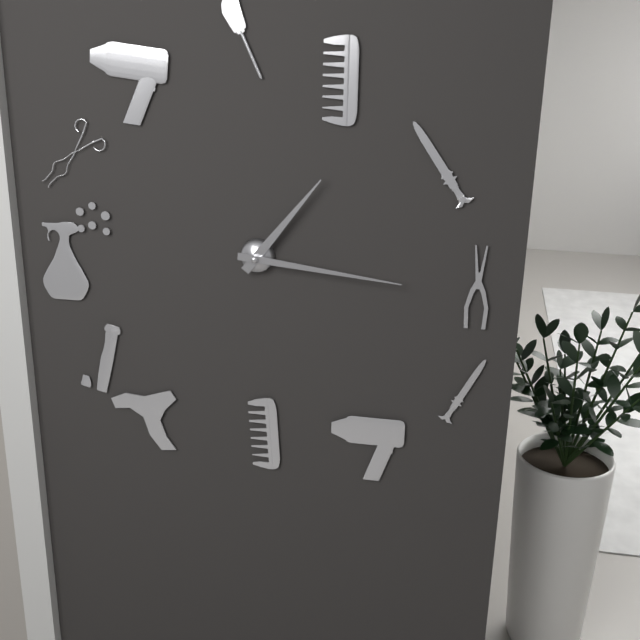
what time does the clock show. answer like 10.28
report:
1.16
